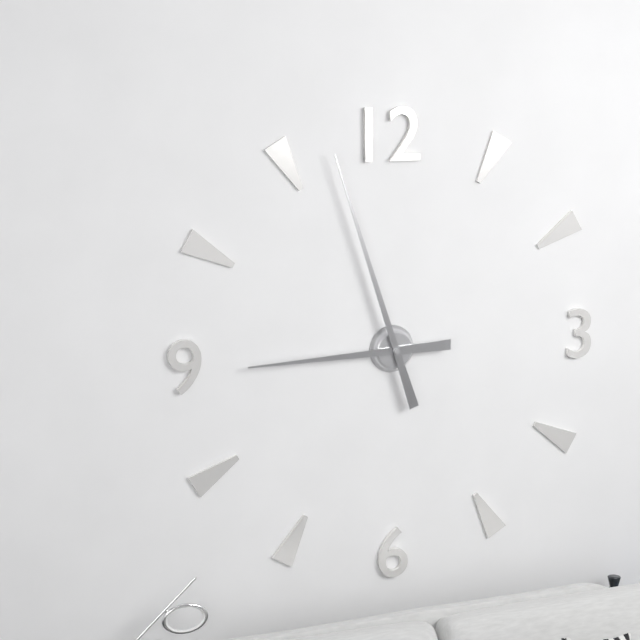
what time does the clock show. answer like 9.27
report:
8.57
